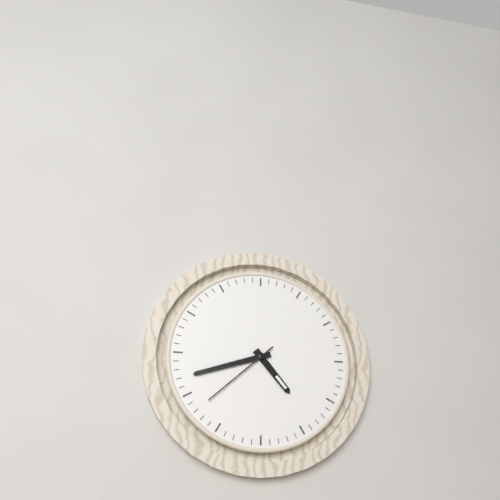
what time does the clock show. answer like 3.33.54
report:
4.42.38
